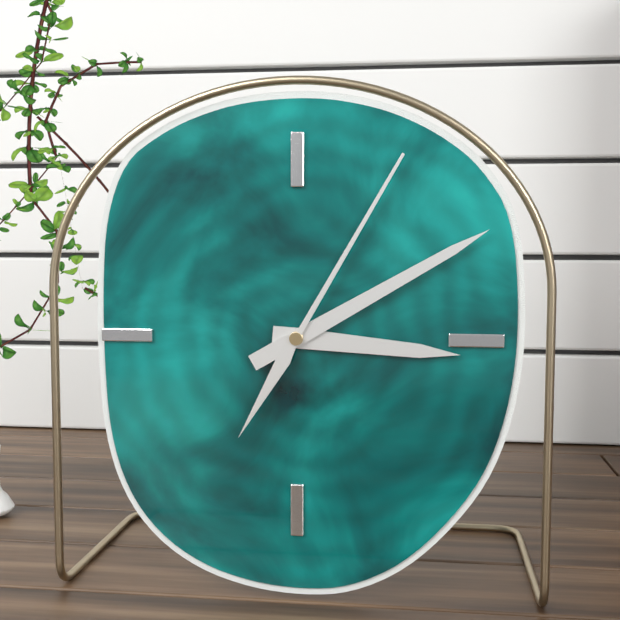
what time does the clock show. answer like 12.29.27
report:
3.10.05
